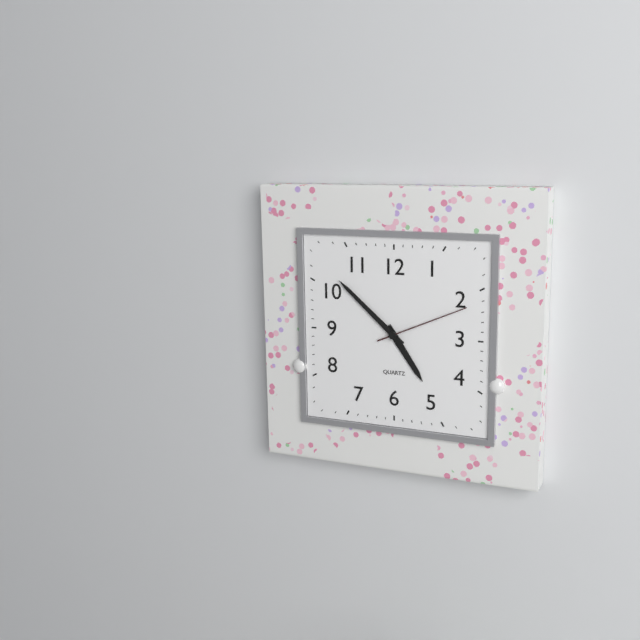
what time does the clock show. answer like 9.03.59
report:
4.52.11
